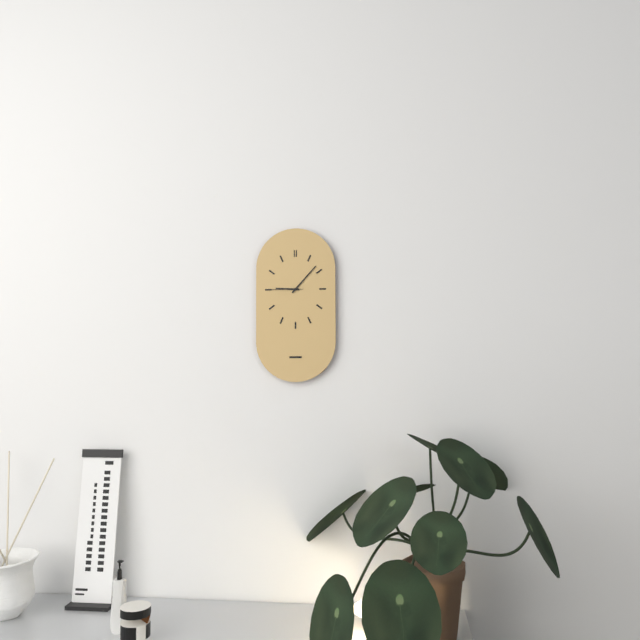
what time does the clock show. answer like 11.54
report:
9.07
